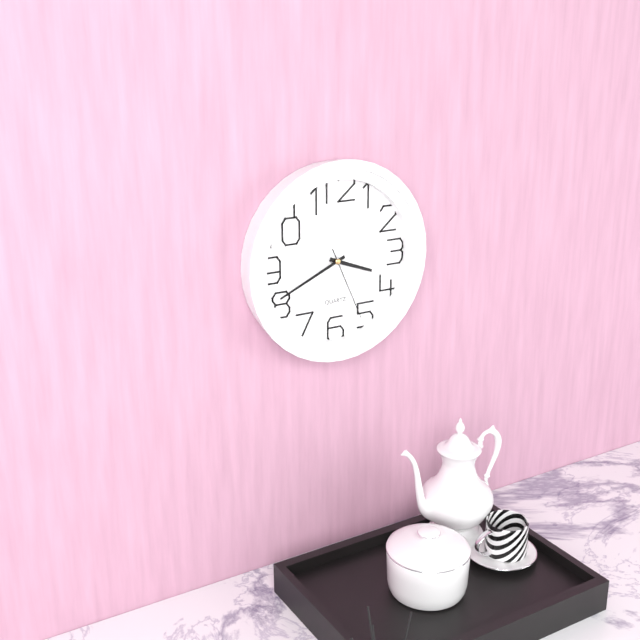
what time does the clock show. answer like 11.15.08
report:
3.41.26
